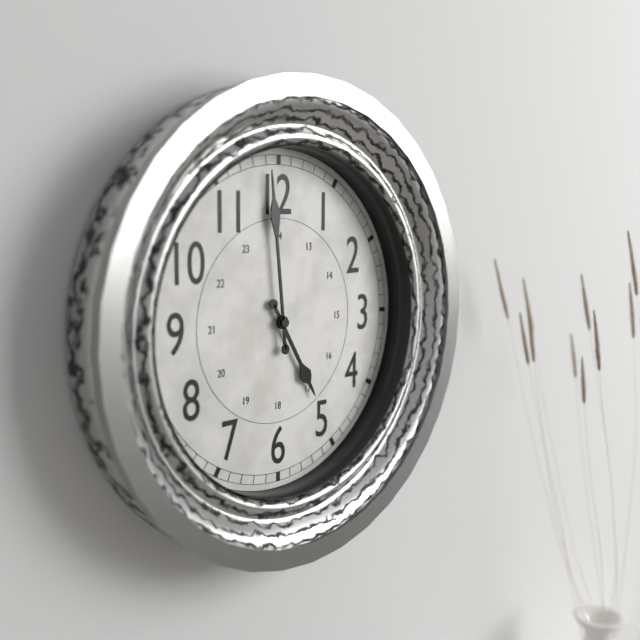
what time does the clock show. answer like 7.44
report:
4.59
